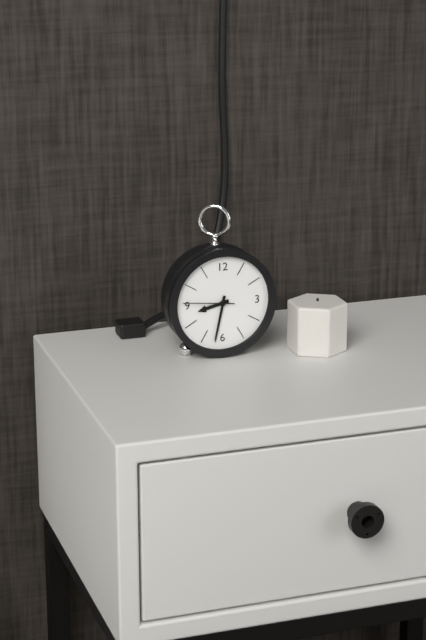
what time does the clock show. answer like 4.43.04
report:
8.32.46
